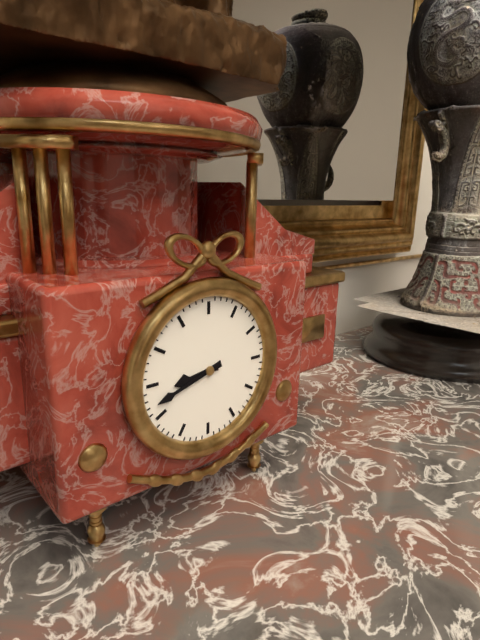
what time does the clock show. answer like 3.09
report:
8.42
